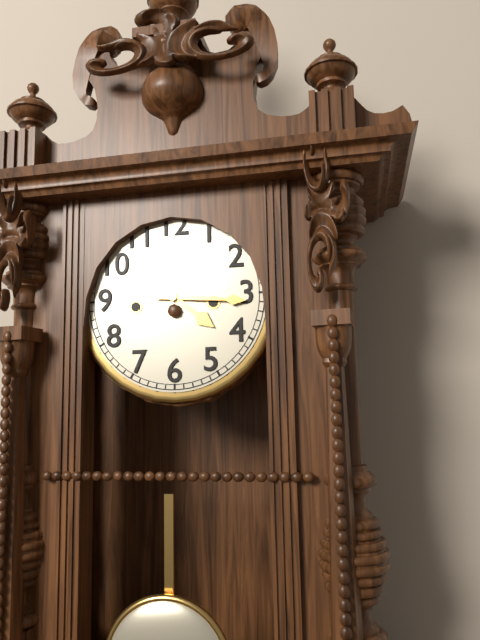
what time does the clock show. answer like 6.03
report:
4.16
